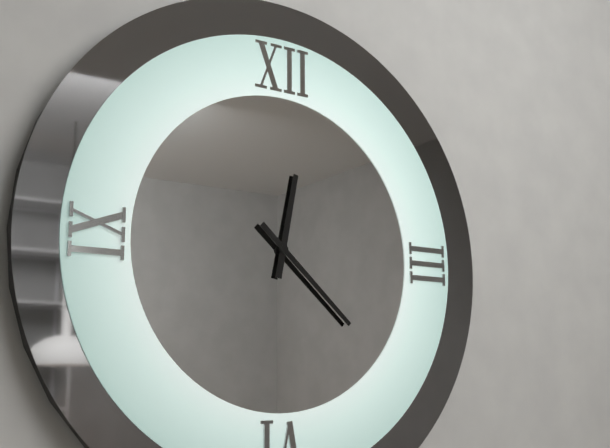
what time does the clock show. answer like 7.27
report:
12.22
